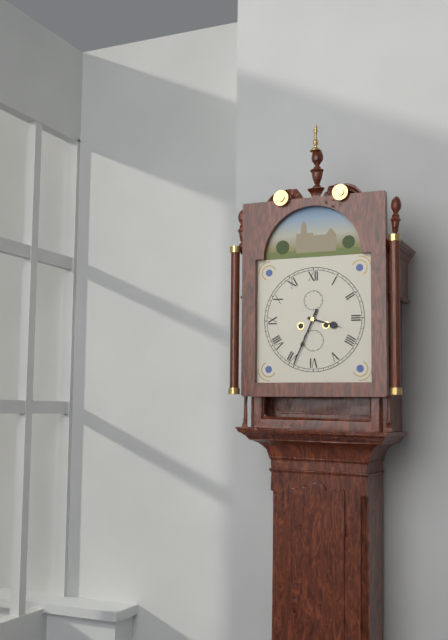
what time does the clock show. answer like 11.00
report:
3.34
